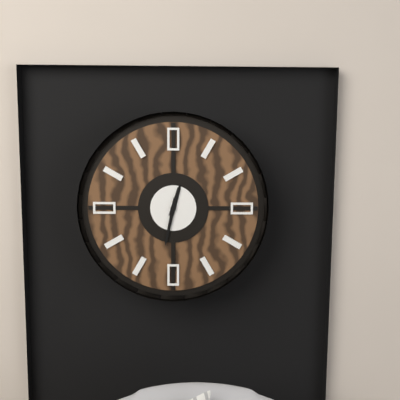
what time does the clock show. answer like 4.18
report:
12.32
